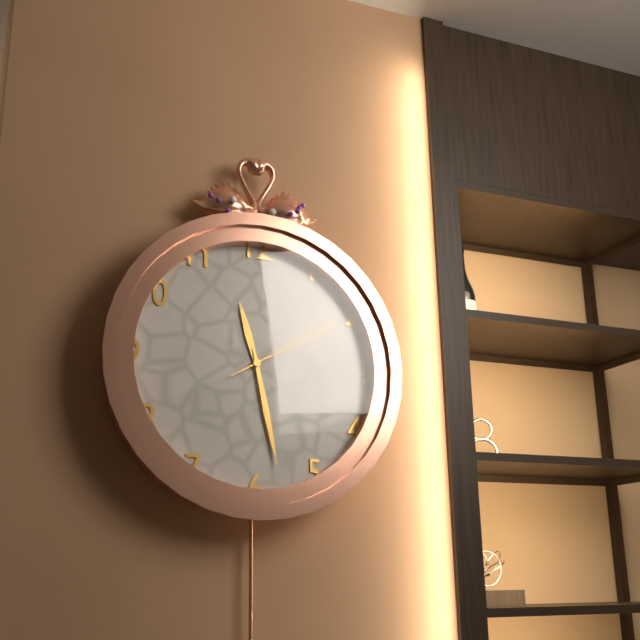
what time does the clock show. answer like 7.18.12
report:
11.28.10
